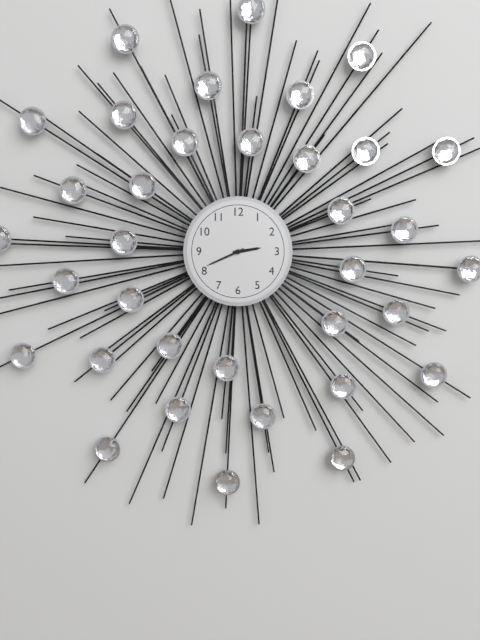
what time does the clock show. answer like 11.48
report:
2.41
